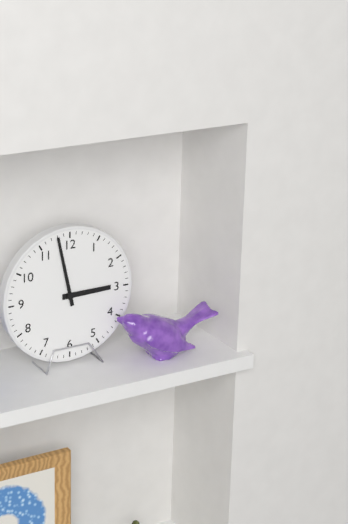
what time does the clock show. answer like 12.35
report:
2.58
